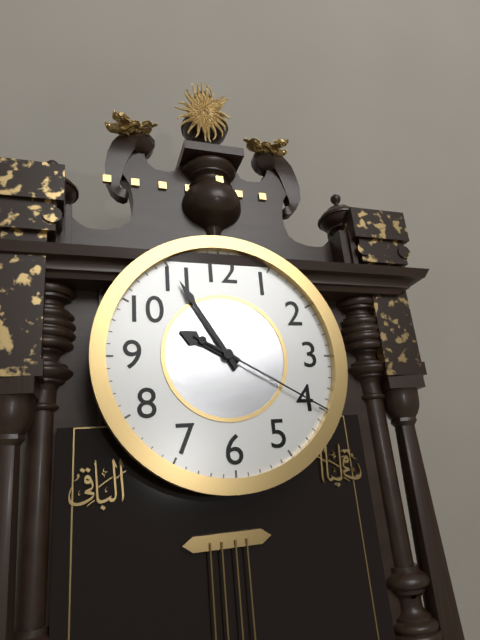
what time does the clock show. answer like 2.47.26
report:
9.55.20
